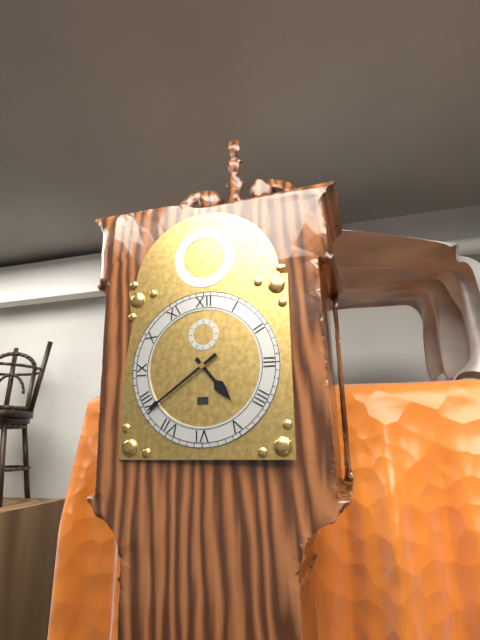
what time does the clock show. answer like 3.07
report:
4.39
